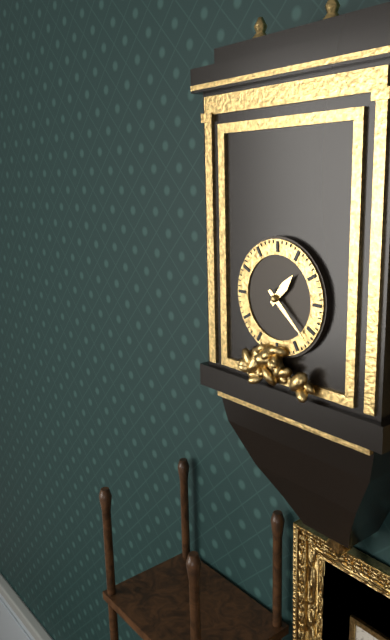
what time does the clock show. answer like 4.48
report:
1.22
